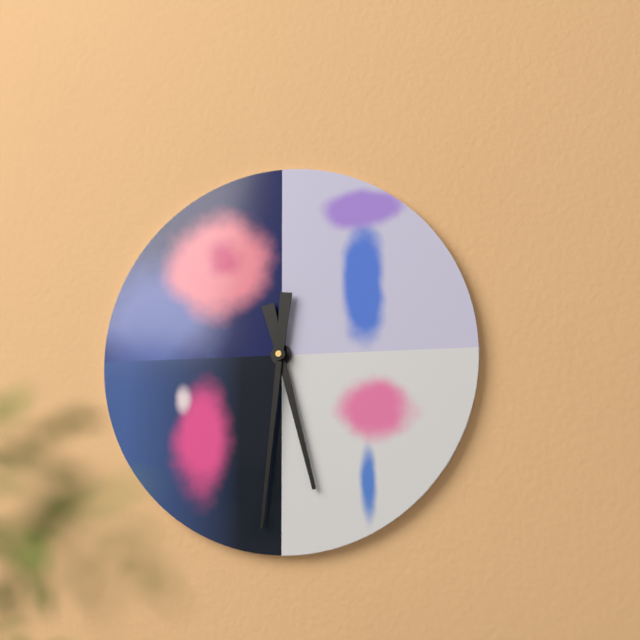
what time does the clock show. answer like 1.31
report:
5.31
